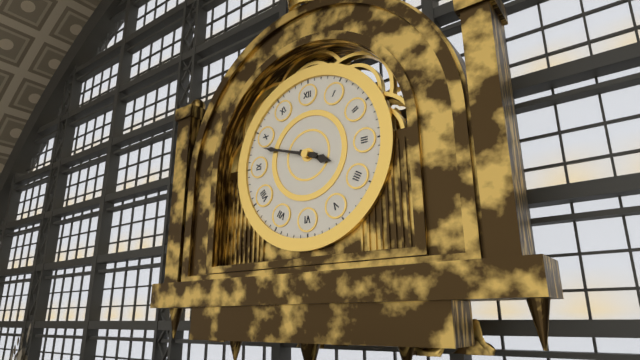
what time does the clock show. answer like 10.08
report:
3.48
